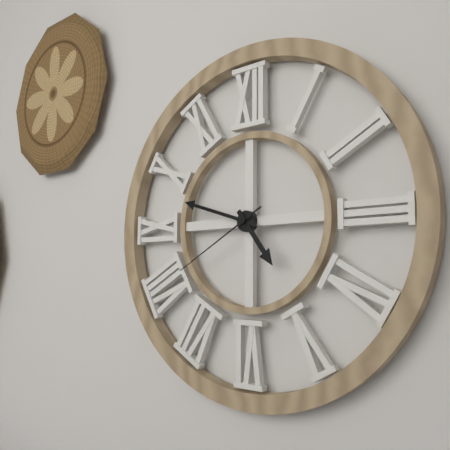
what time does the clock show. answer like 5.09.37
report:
4.48.40
